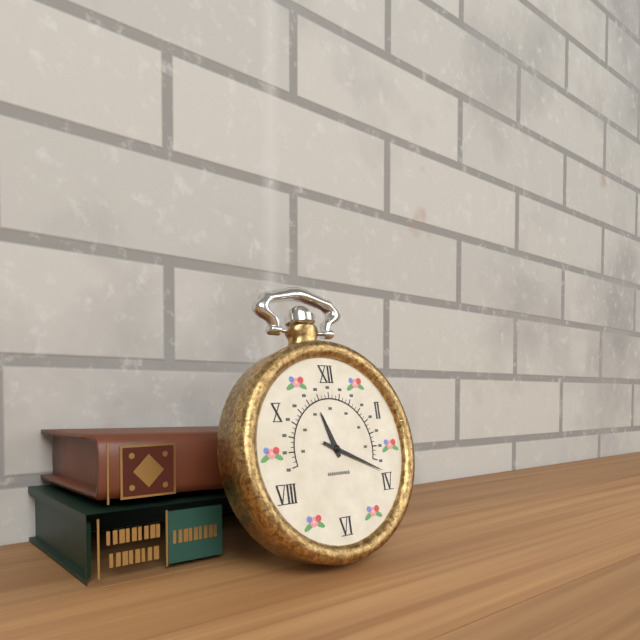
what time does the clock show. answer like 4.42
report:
11.19
